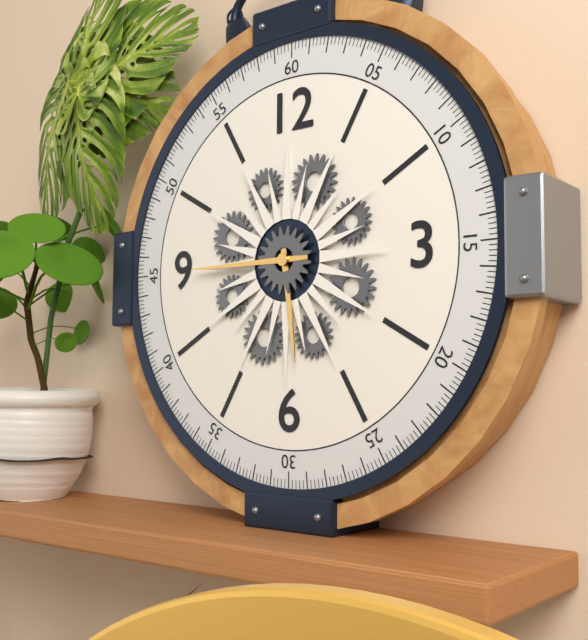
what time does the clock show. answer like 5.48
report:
5.45
